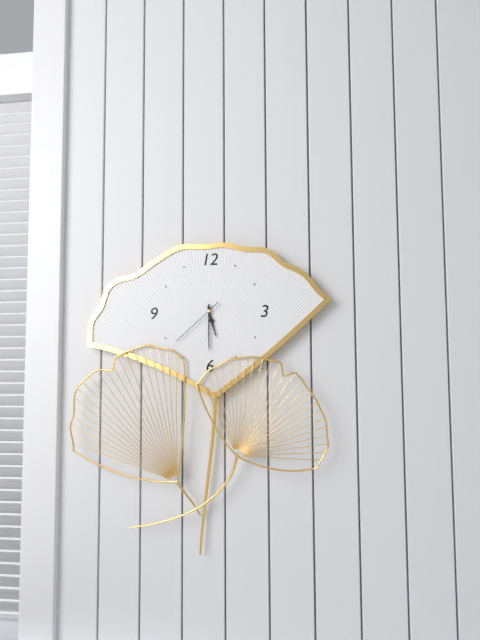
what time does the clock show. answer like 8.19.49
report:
5.30.38
